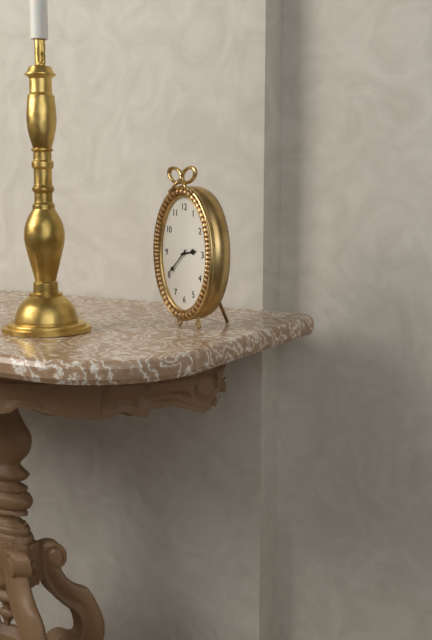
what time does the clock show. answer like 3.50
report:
2.38
